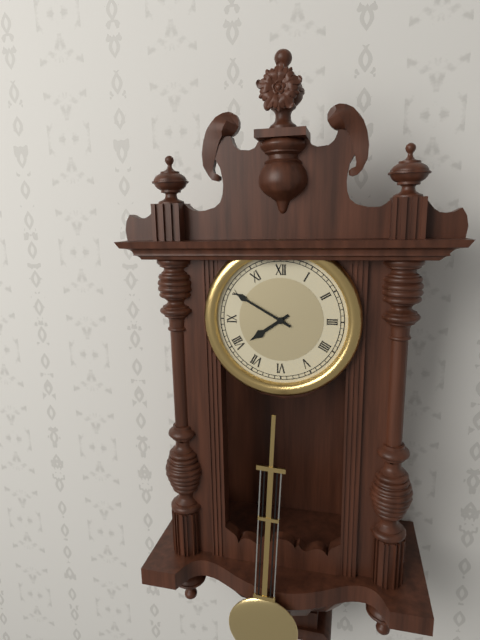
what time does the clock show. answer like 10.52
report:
7.50
